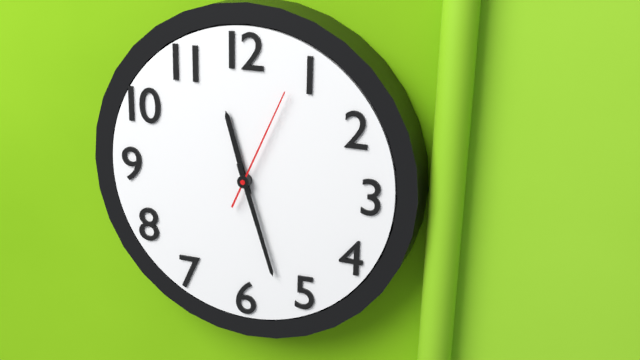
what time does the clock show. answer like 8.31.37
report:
11.27.04
